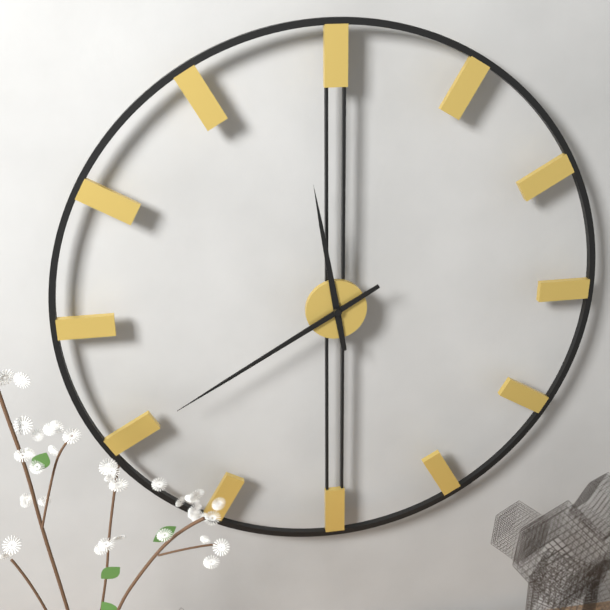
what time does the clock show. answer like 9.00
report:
11.40
